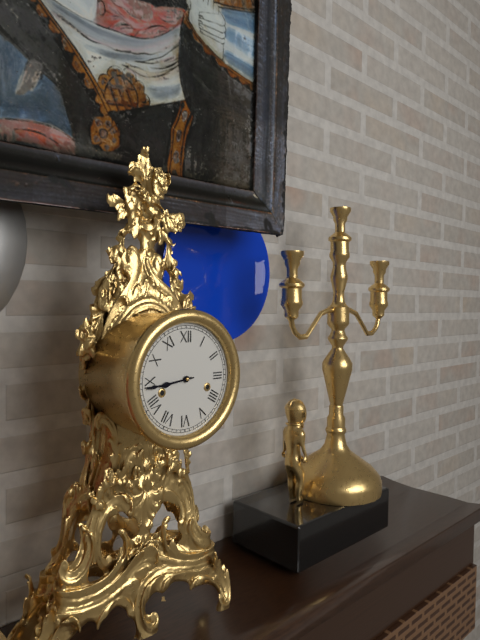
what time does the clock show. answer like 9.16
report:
8.44
